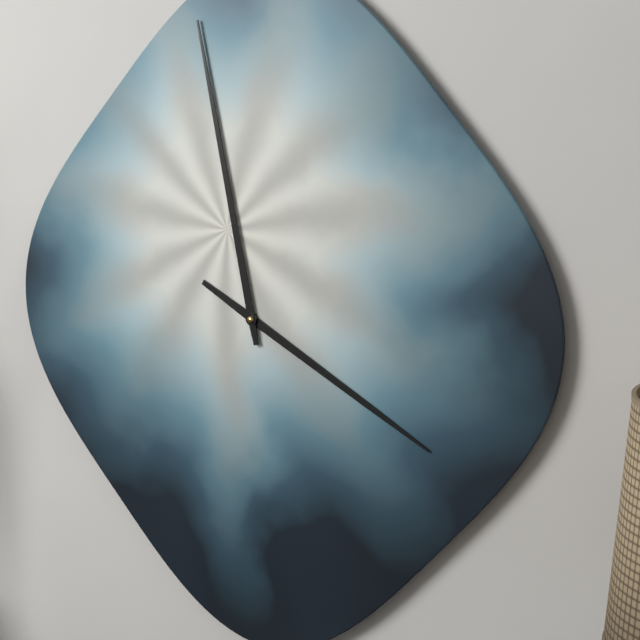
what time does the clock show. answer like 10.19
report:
3.58
